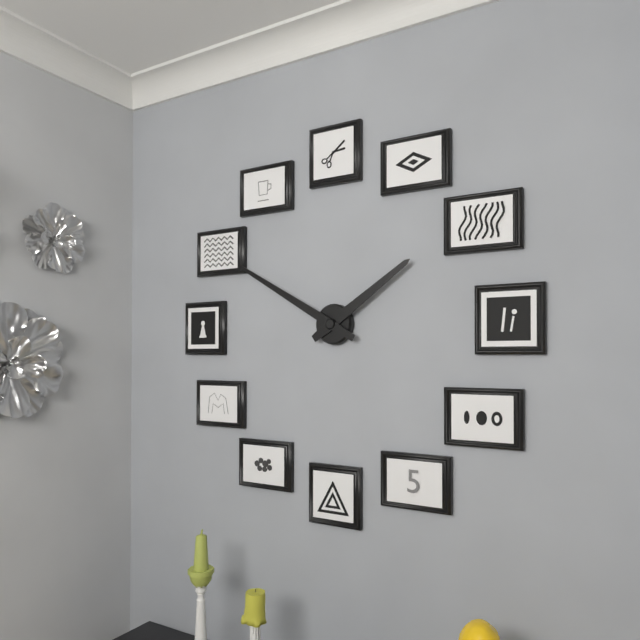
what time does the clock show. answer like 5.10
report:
1.50
